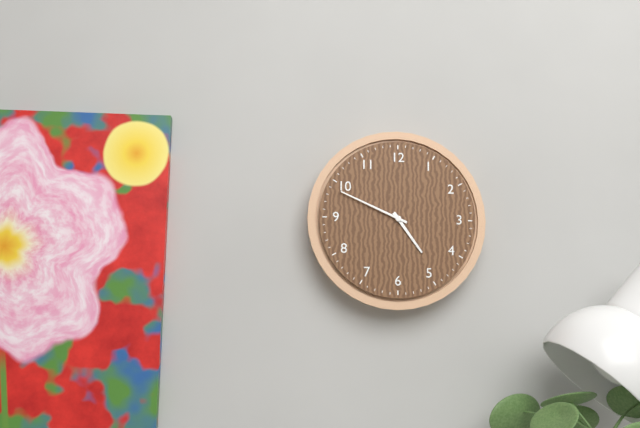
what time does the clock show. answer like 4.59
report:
4.49
